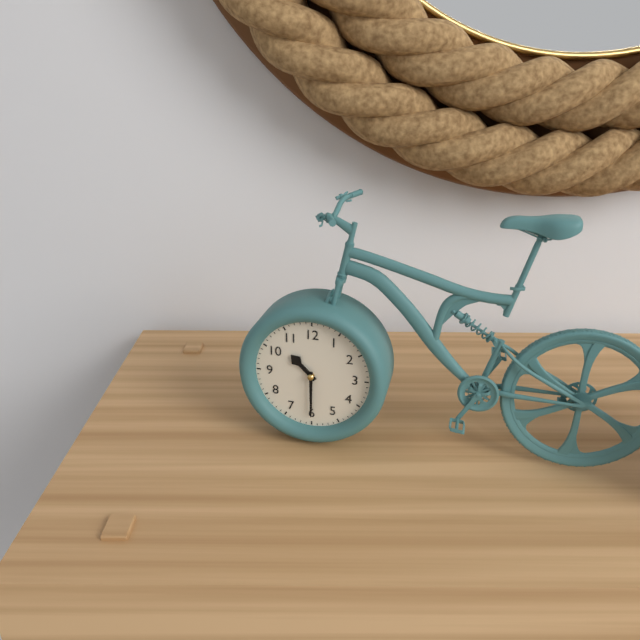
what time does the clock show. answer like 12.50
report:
10.30
